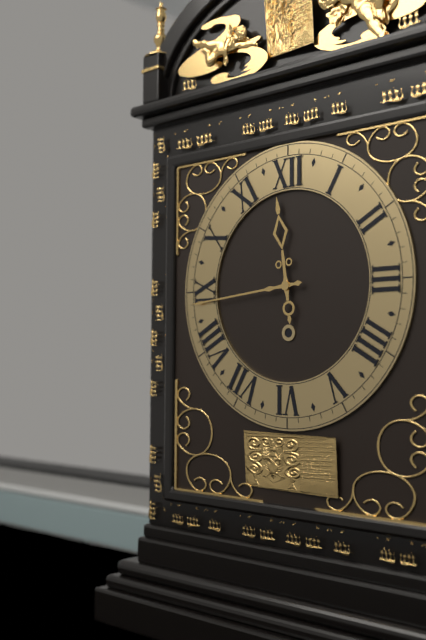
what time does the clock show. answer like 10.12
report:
11.44
